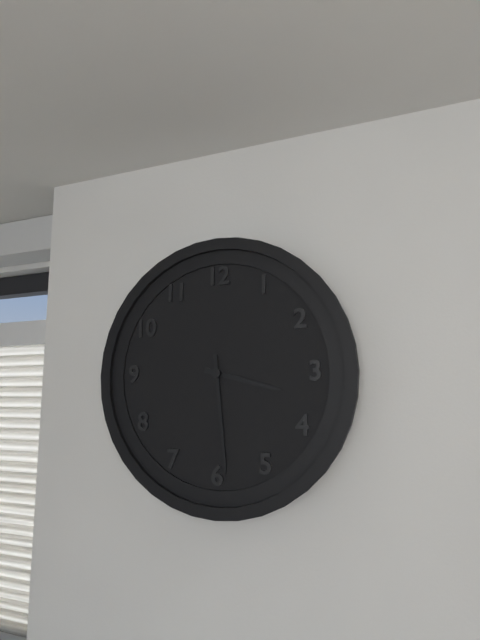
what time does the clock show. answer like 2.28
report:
3.29
